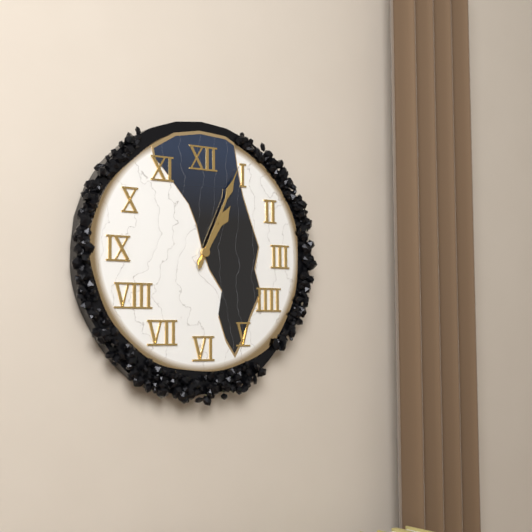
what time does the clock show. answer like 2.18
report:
1.04
